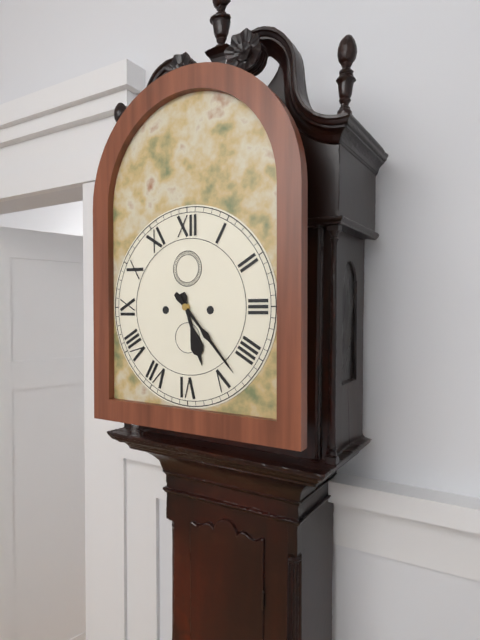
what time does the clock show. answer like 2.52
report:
5.23
